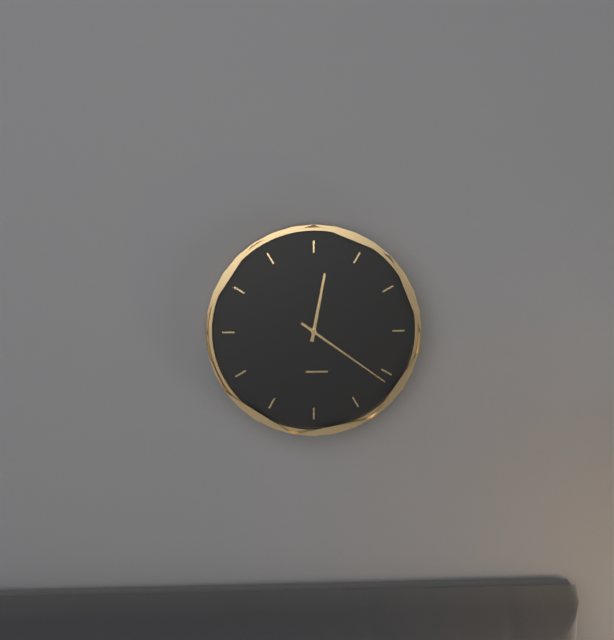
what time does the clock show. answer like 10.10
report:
12.21
